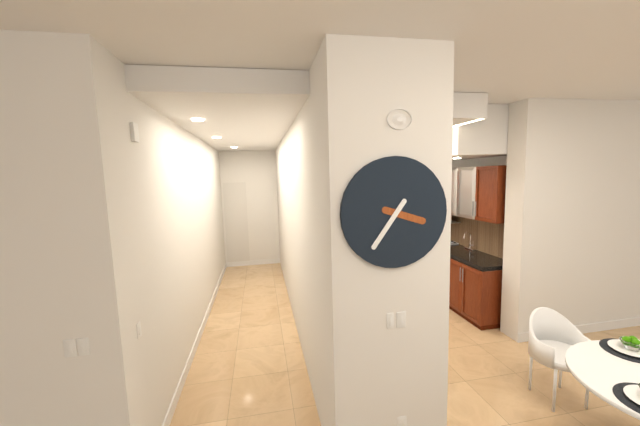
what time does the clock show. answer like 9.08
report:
3.36
